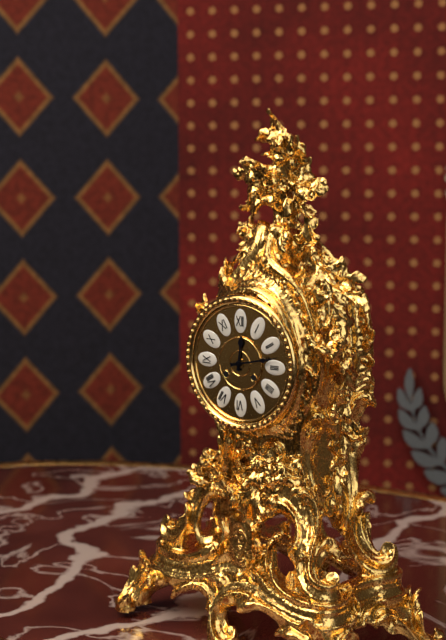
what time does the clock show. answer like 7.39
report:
12.13
